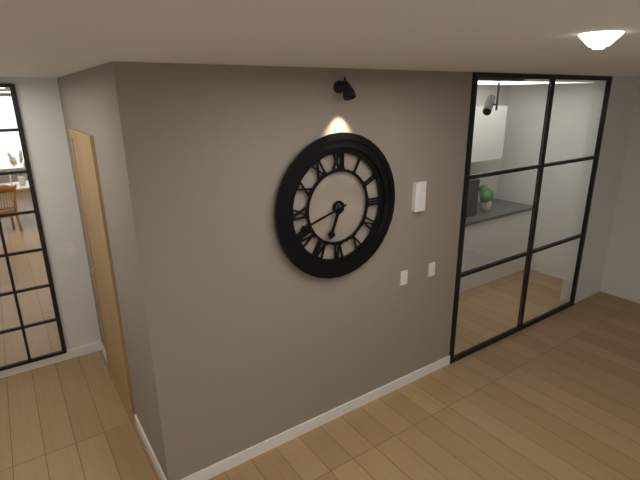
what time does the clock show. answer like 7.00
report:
6.42
